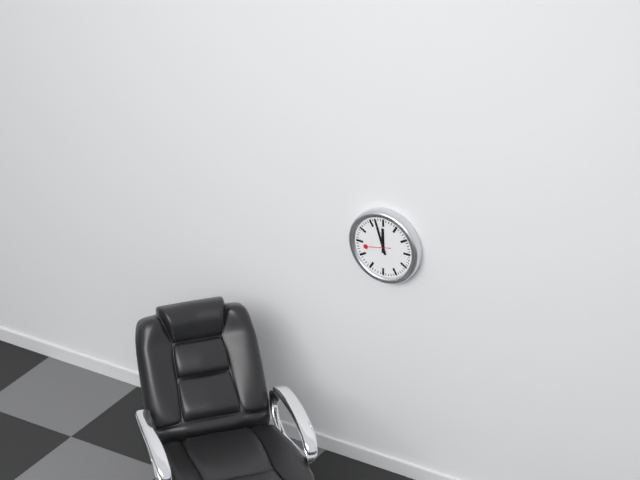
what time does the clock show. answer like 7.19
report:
11.57
